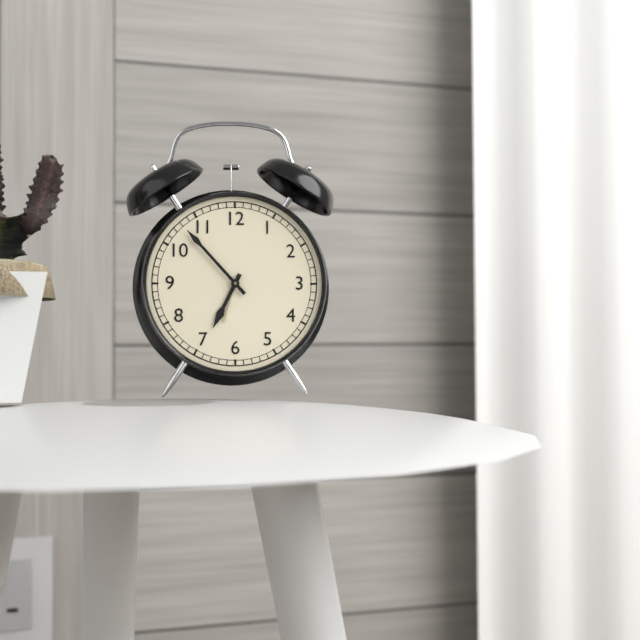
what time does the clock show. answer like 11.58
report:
6.53
